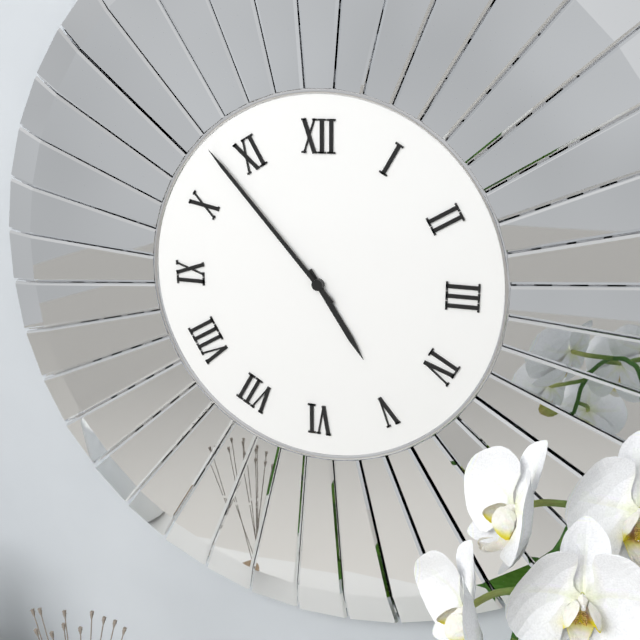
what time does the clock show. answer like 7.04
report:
4.53
